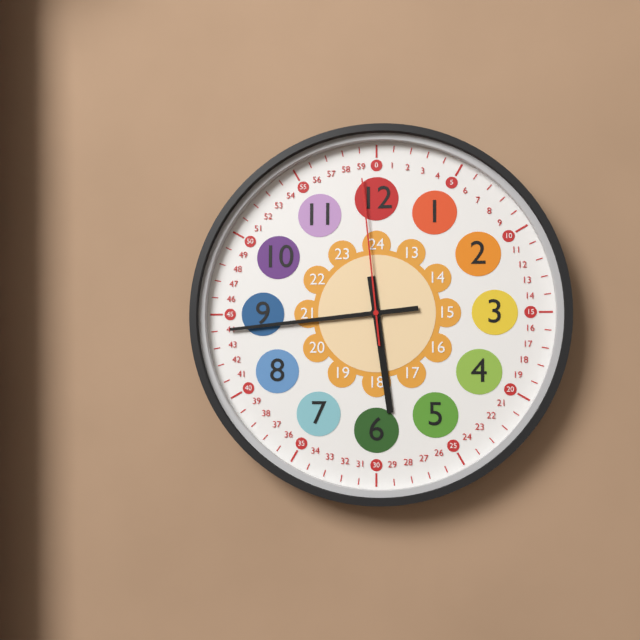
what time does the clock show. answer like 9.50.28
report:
5.44.59
